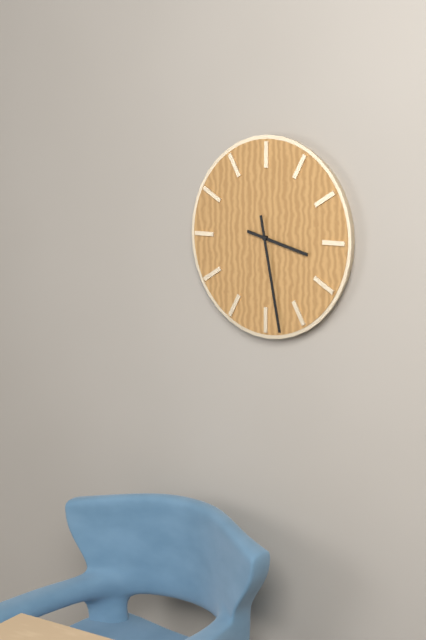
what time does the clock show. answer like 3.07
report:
3.28
